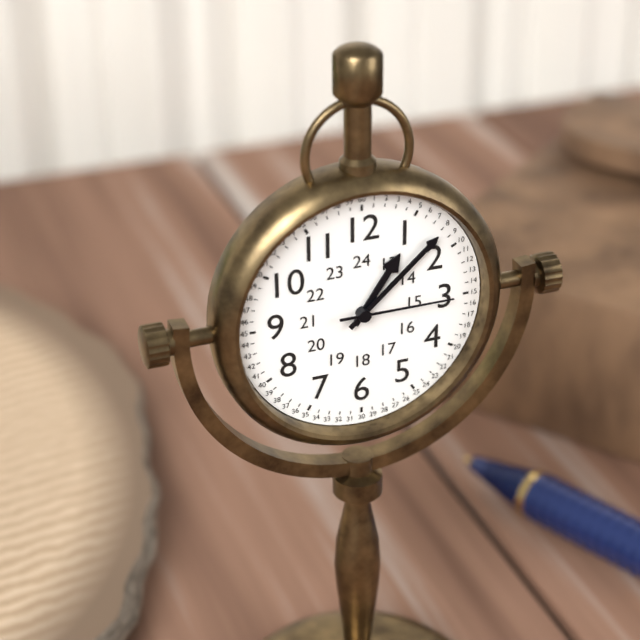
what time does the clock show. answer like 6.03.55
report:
1.08.15
